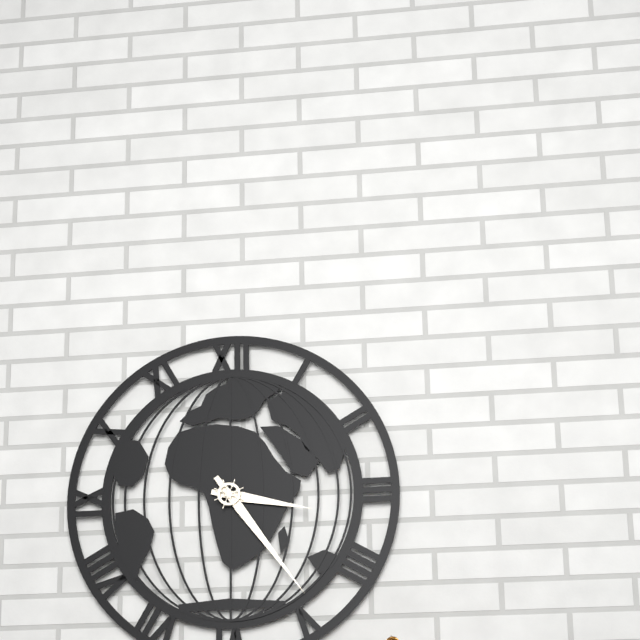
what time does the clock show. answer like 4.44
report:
3.24
